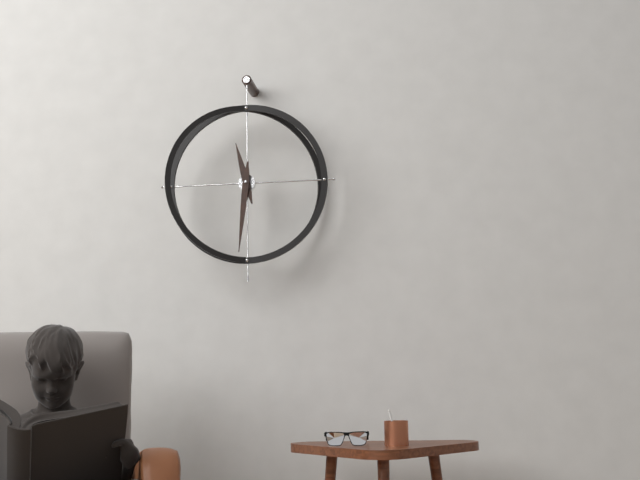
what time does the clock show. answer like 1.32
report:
11.31
